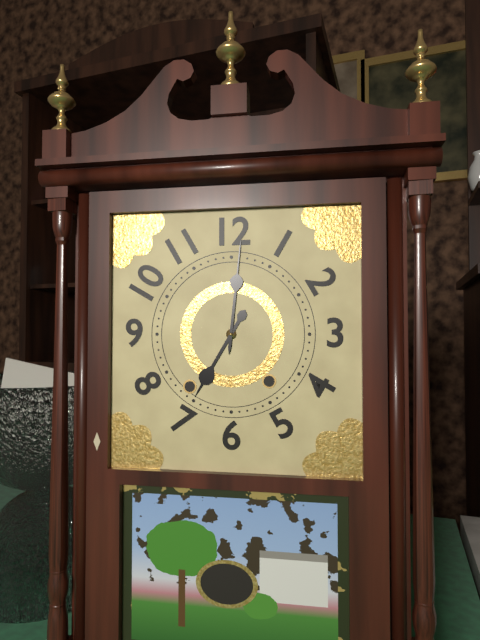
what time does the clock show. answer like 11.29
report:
7.01
